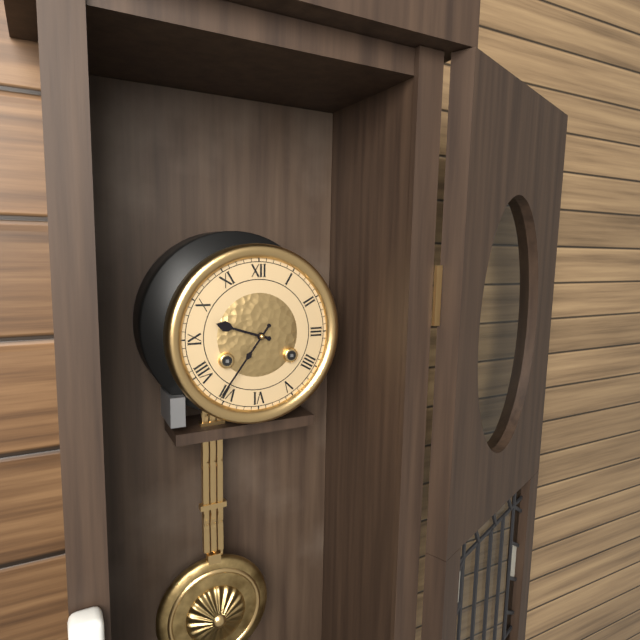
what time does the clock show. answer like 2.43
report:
9.36
